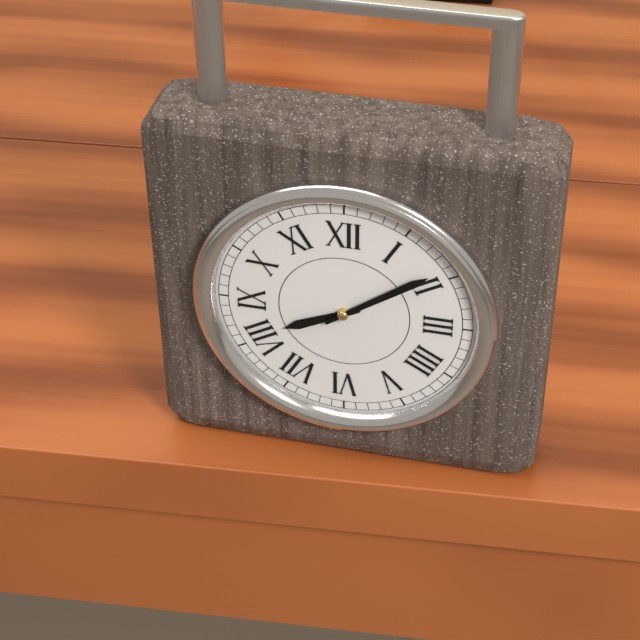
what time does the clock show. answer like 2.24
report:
8.09
